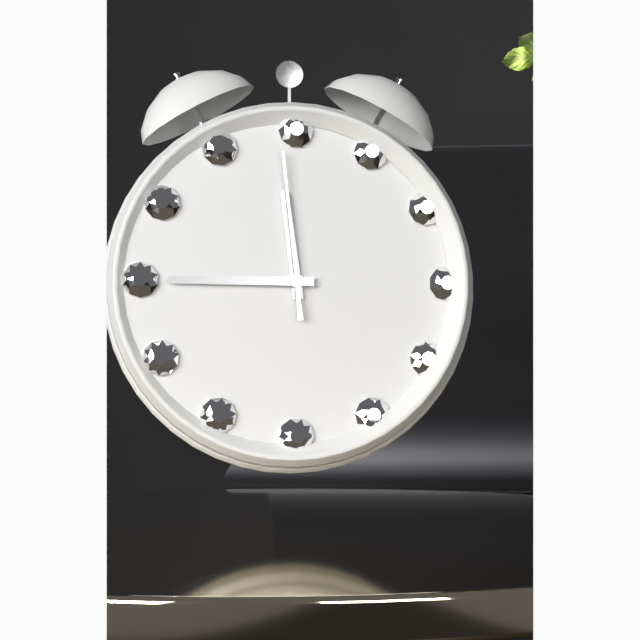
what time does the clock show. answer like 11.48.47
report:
11.45.59
